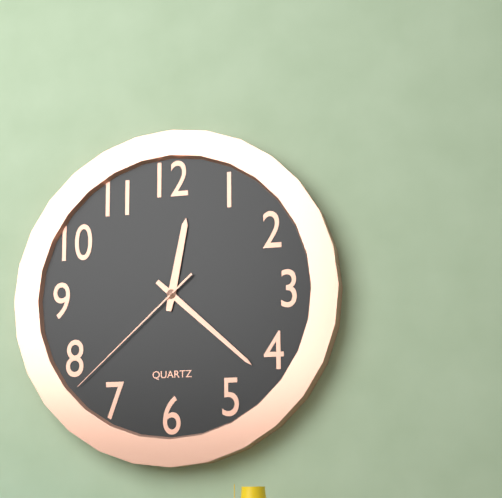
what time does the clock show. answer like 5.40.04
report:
12.22.38
